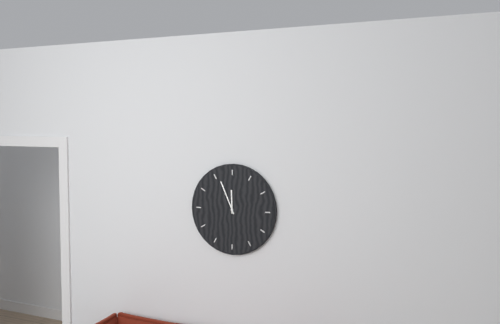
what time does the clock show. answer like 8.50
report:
11.56
